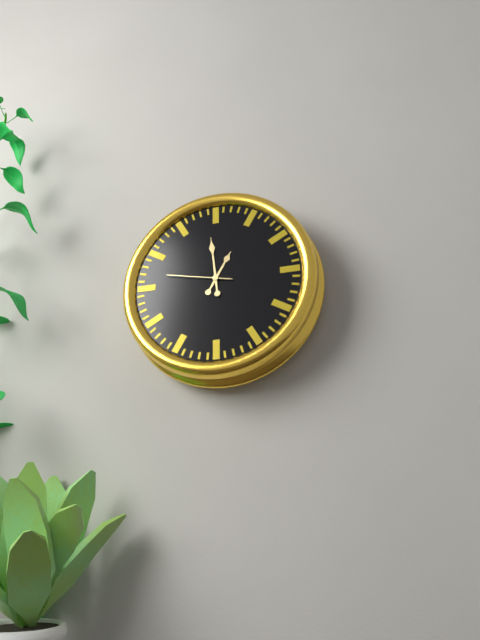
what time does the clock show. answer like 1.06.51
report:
12.59.47
